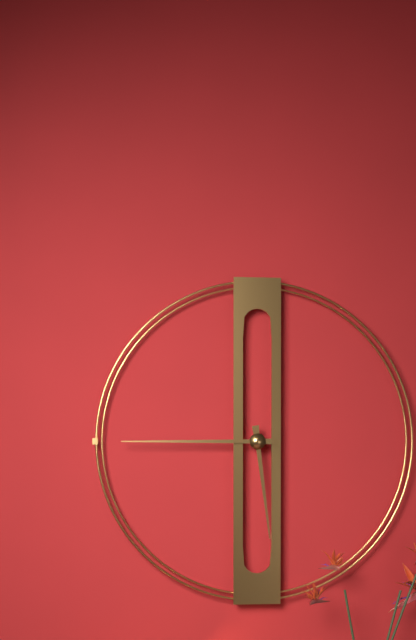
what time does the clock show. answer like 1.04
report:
5.45
